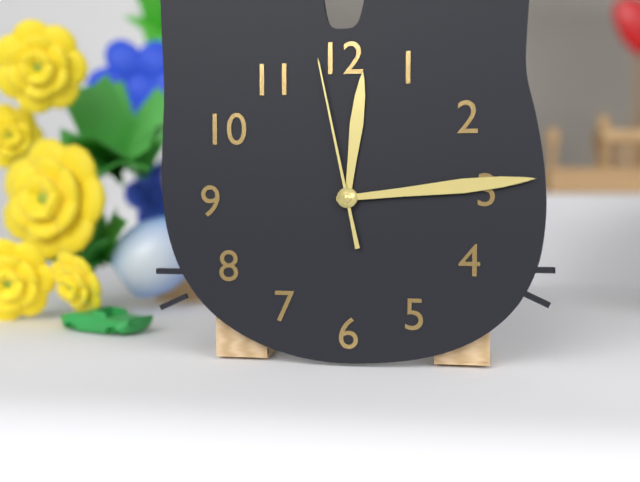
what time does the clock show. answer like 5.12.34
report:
12.14.58
